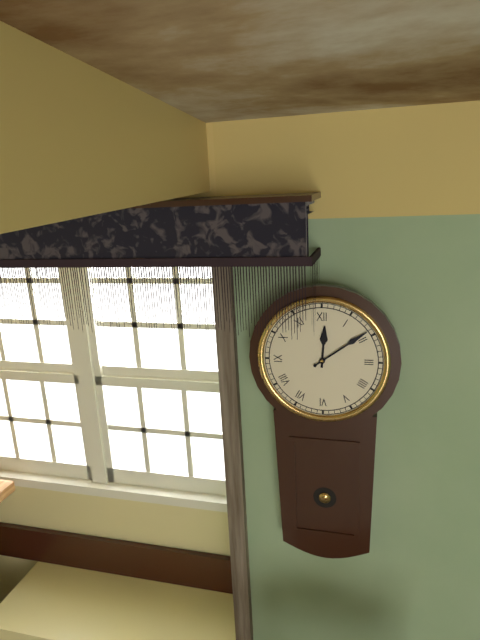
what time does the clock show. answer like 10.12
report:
12.09
